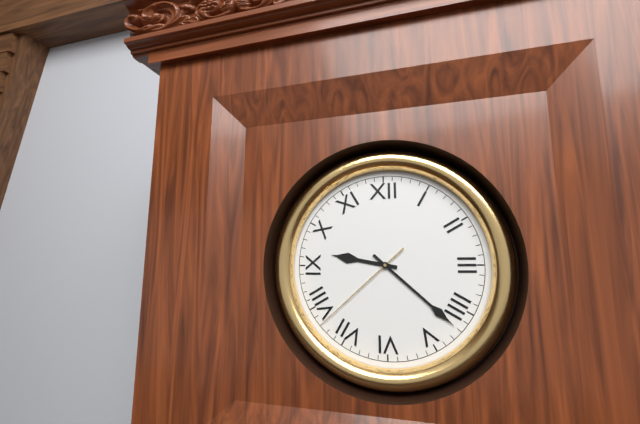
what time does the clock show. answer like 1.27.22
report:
9.22.38
